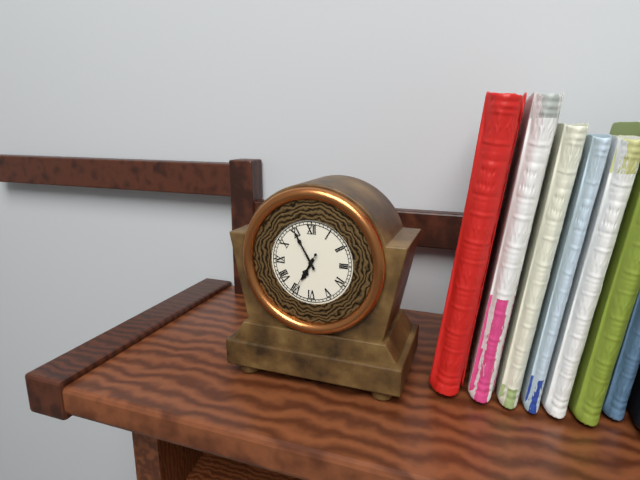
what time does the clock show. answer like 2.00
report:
6.55
